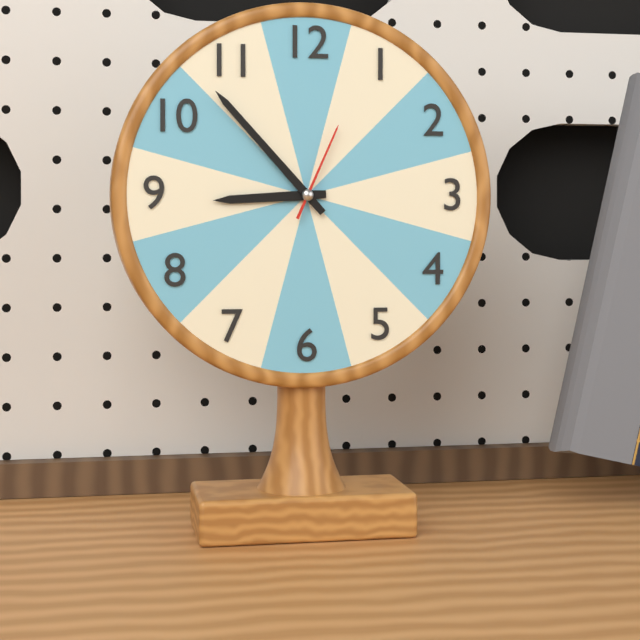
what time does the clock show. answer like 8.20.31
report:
8.53.04
